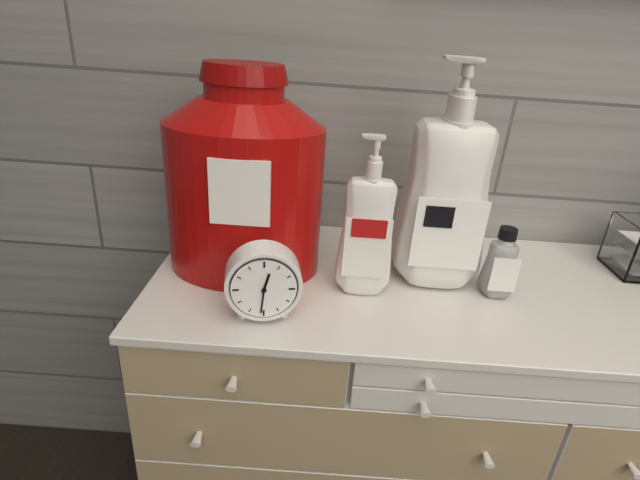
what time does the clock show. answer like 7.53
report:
12.31
